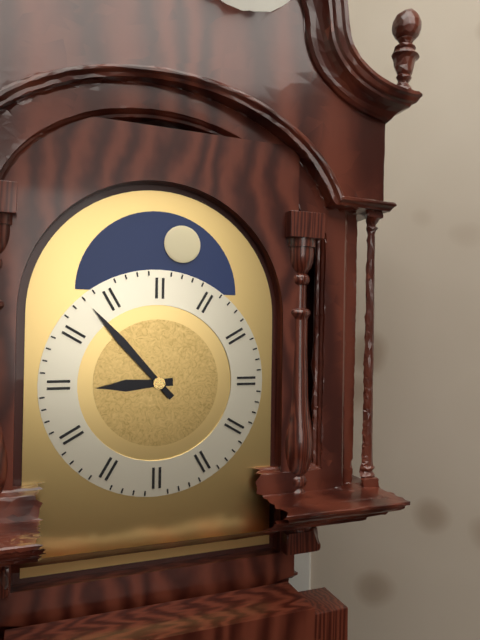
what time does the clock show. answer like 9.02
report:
8.53
